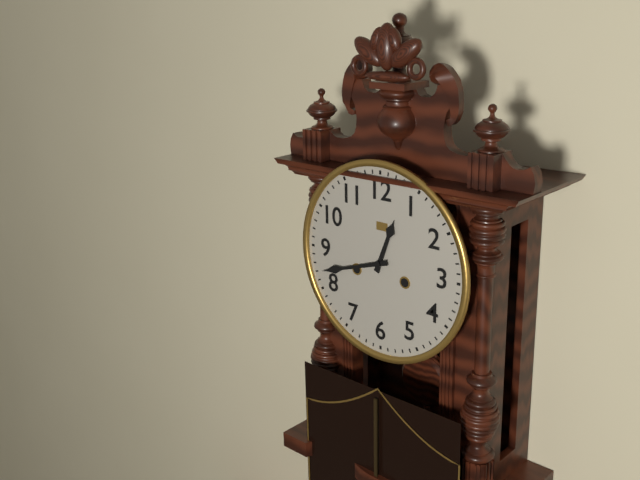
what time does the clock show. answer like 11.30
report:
12.42
